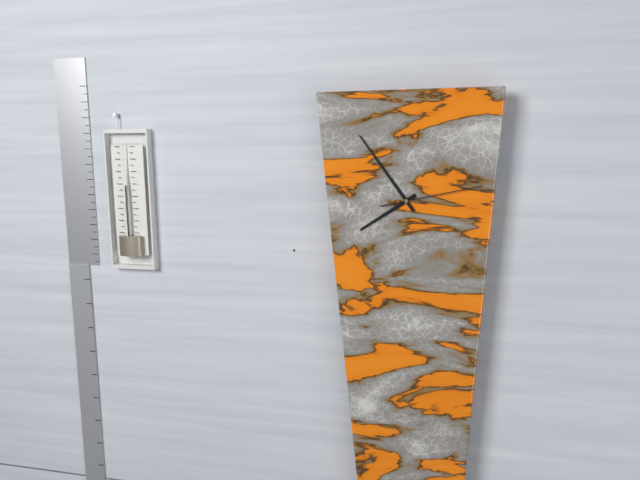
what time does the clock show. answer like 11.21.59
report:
7.54.13
